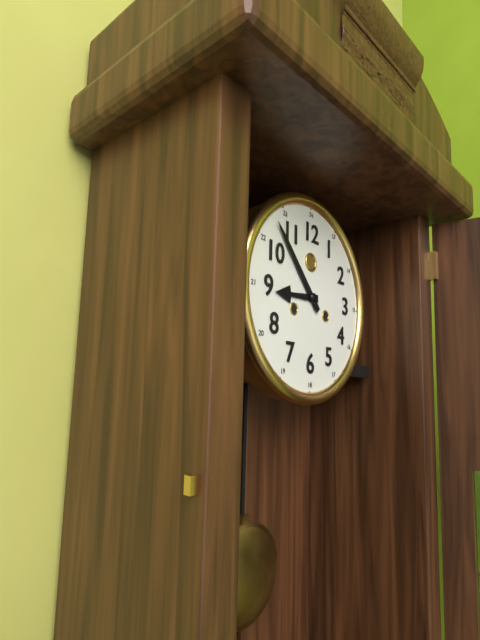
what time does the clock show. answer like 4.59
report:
8.53
